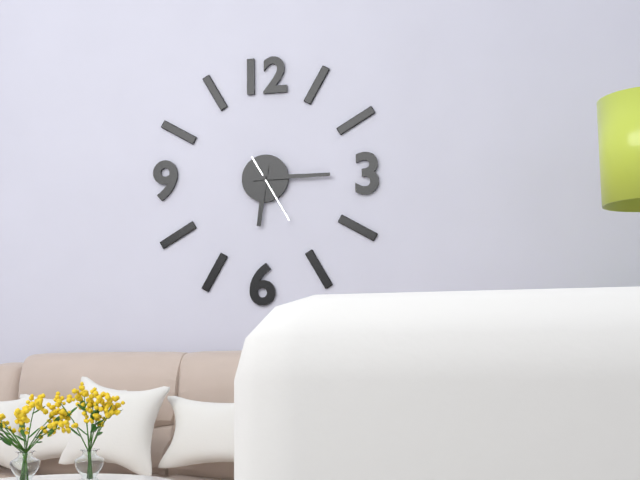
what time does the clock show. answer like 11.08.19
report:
6.15.25
